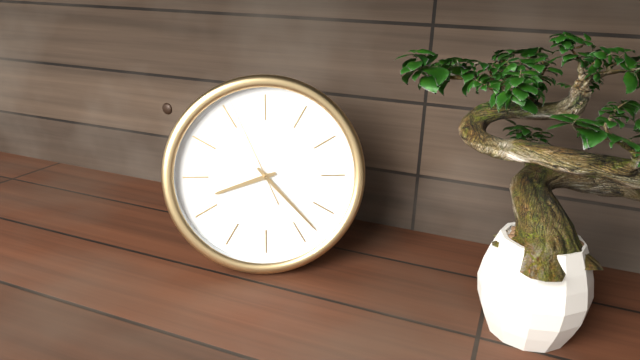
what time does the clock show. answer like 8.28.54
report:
8.23.56
